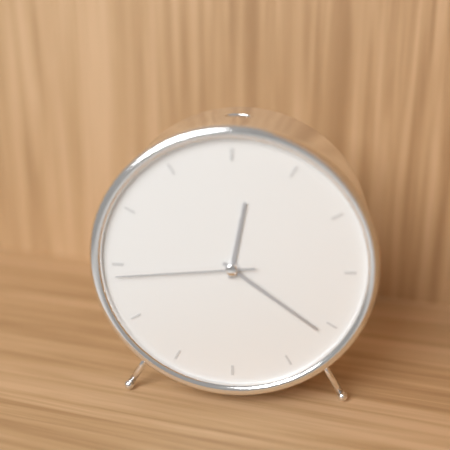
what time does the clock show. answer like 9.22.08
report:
12.21.44
